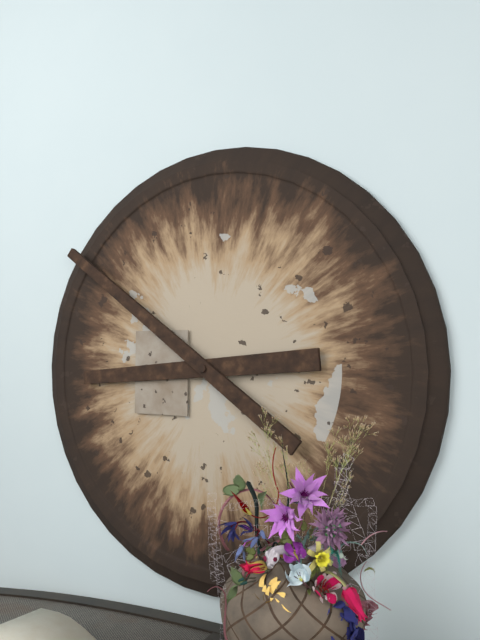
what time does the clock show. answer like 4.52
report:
8.51
